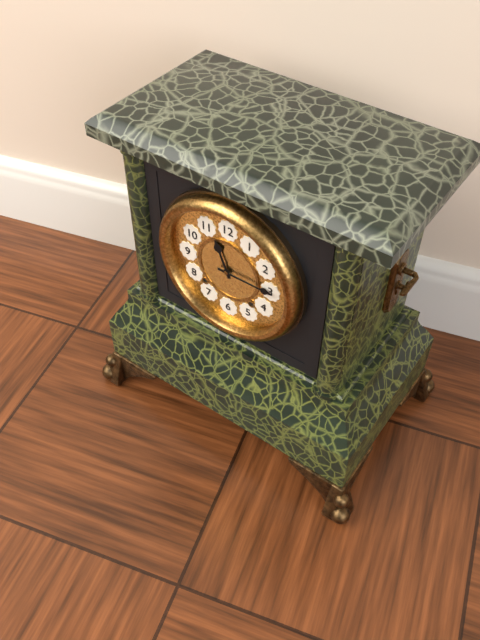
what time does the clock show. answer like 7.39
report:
11.15
